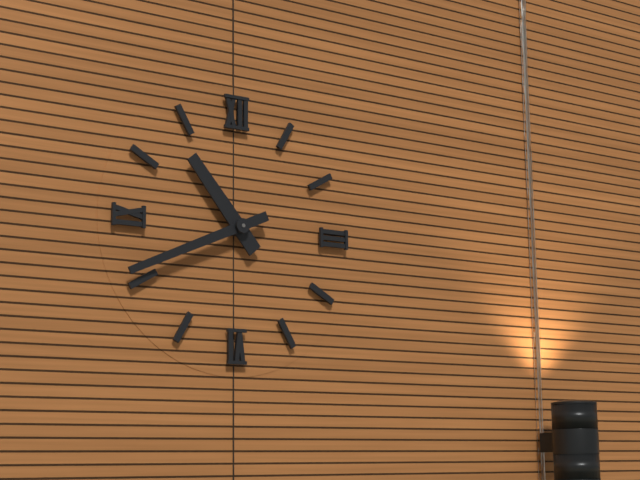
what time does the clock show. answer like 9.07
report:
10.41
